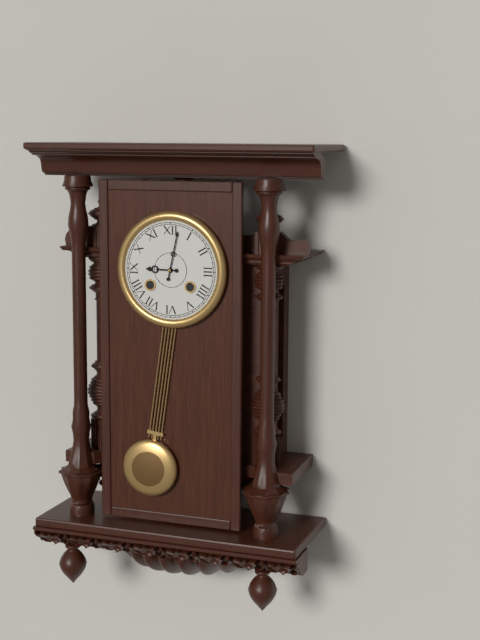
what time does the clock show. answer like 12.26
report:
9.02
